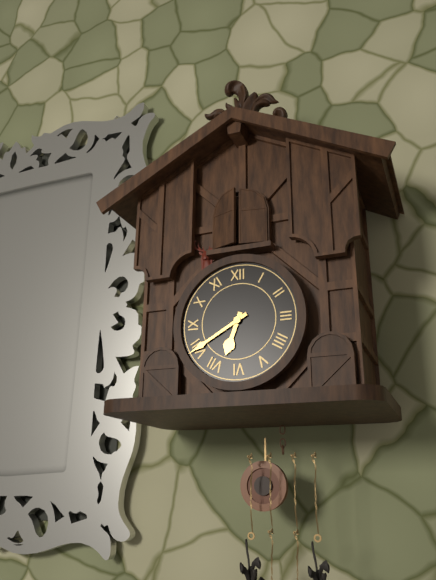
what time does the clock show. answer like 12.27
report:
6.40
